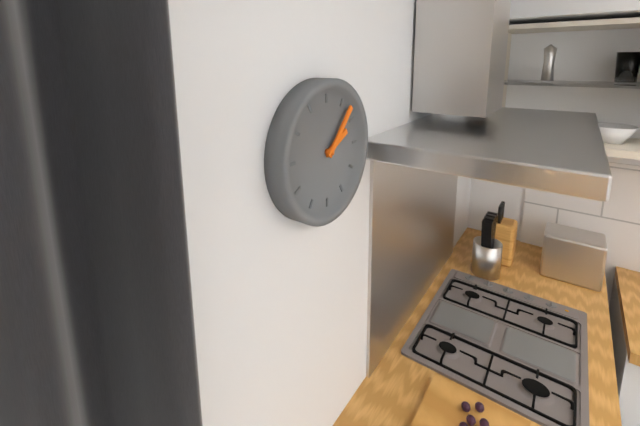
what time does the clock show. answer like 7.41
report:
2.07
